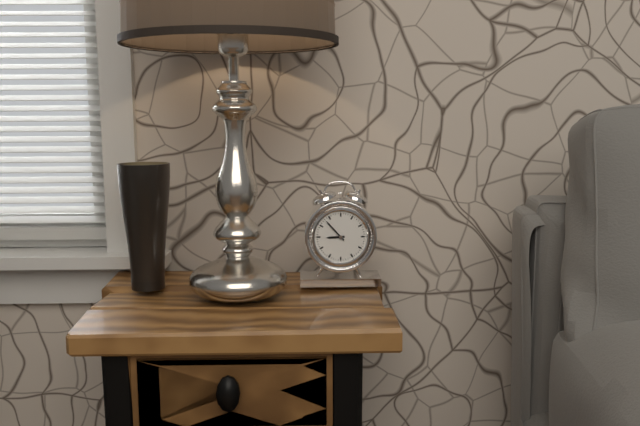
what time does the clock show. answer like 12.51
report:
8.53
